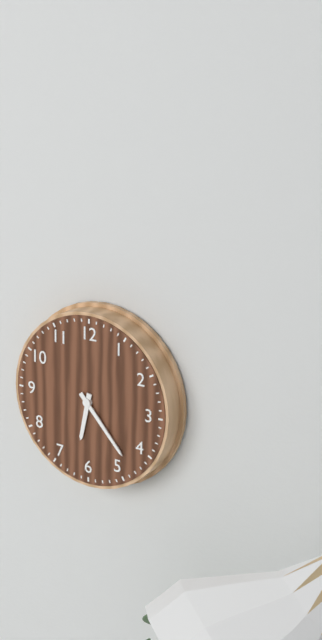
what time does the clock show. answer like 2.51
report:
6.23
